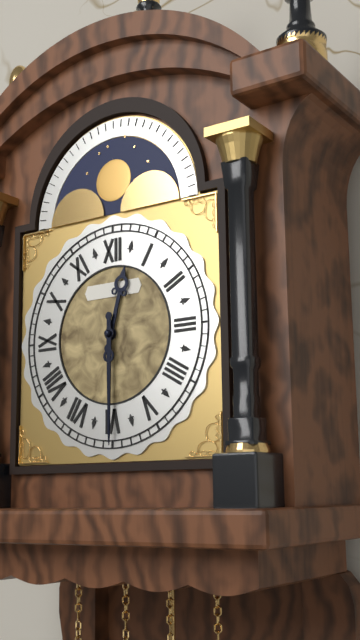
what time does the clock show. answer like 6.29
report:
12.30
